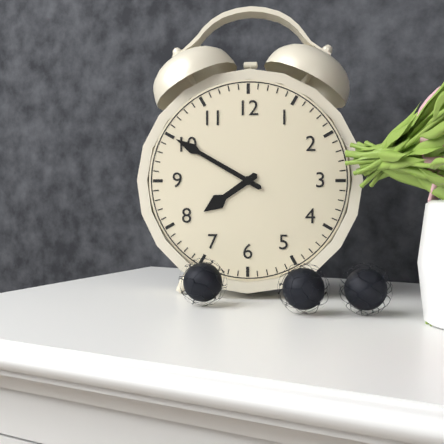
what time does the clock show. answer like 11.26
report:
7.50
